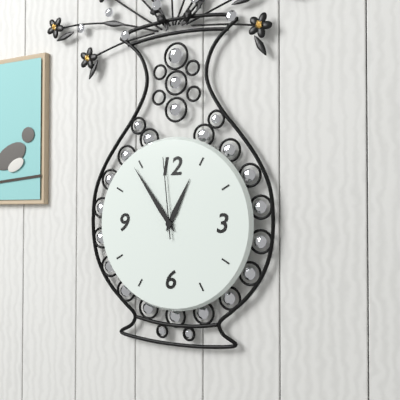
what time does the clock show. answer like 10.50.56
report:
12.54.59
